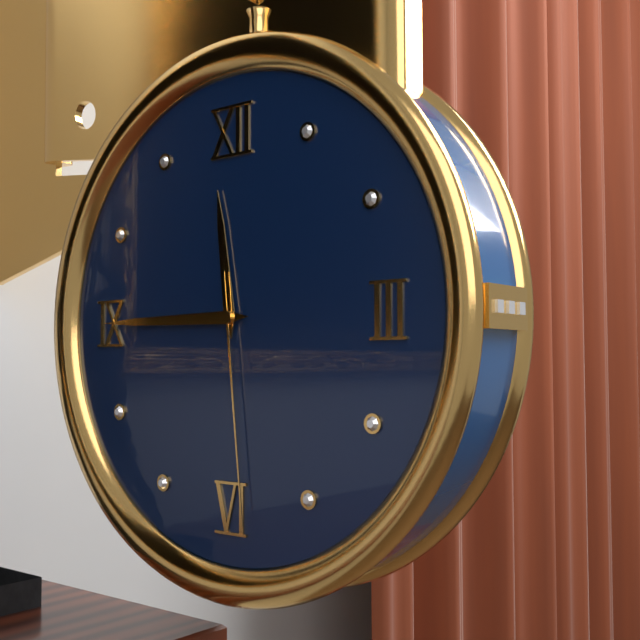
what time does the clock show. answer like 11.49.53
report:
11.45.29
